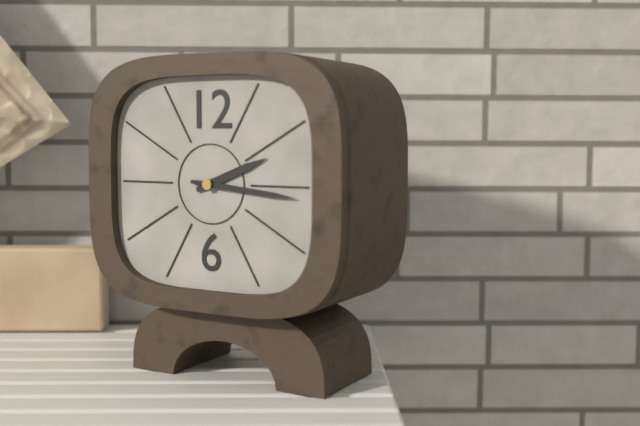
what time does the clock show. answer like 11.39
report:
2.16
